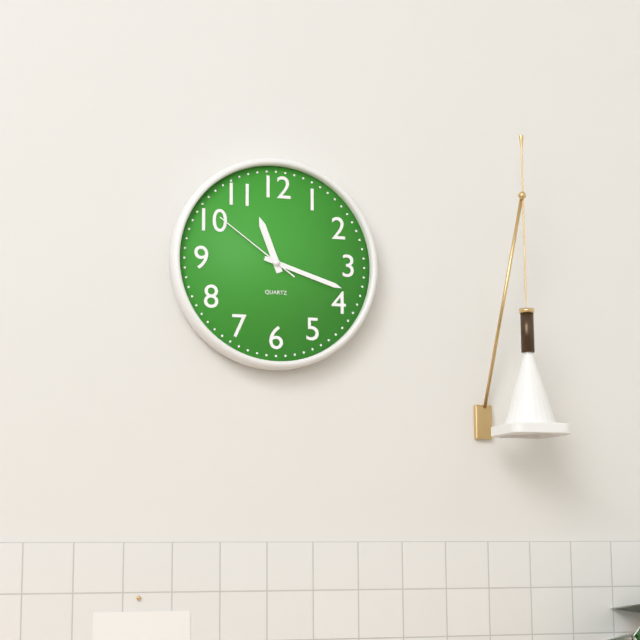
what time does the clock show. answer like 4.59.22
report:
11.18.51
